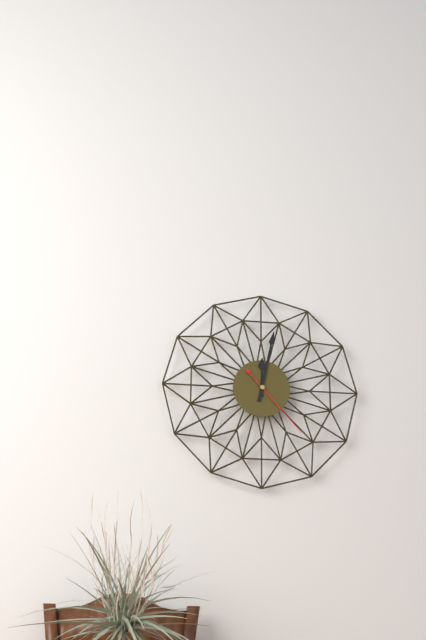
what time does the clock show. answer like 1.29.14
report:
12.02.23
